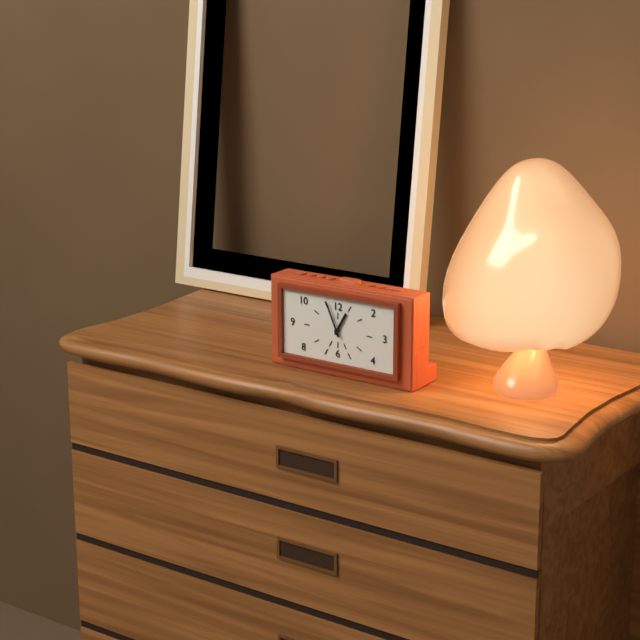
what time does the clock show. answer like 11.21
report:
12.56
